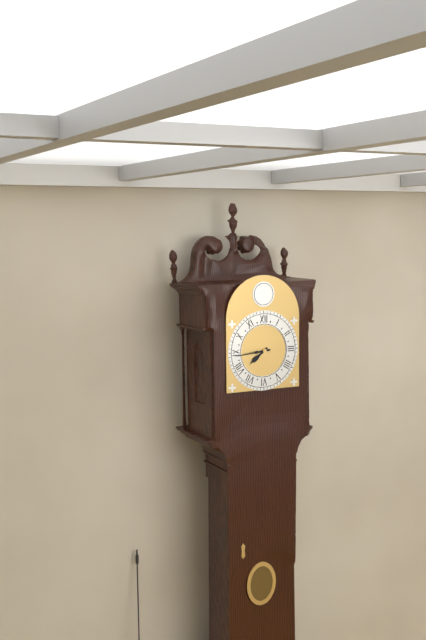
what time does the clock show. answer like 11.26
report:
7.44
